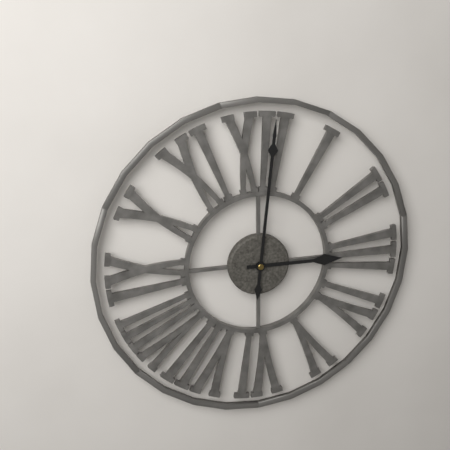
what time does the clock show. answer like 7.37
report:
3.01
